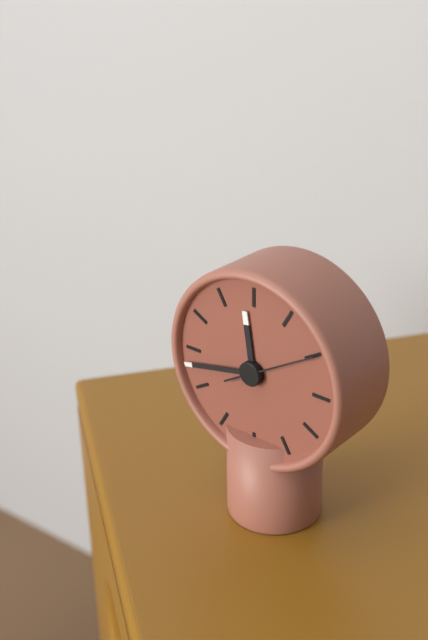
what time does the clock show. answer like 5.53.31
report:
11.43.10
